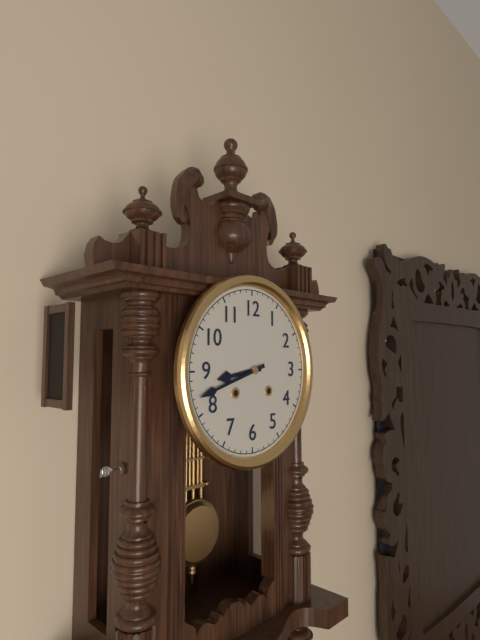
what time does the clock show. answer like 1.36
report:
8.42
